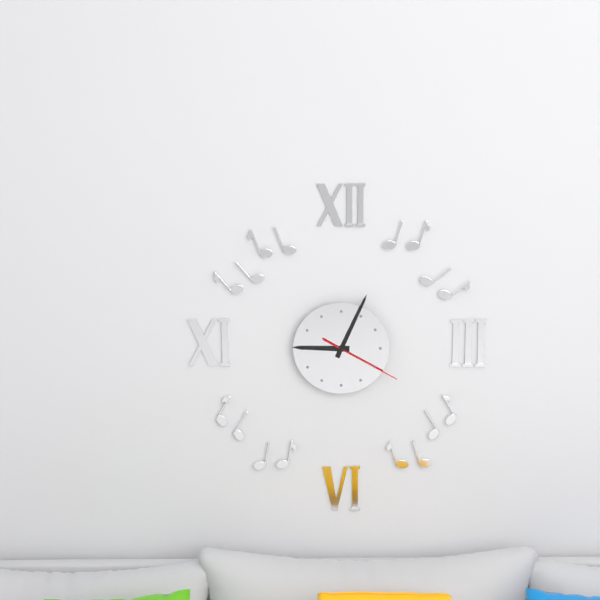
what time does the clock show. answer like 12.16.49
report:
9.04.20
